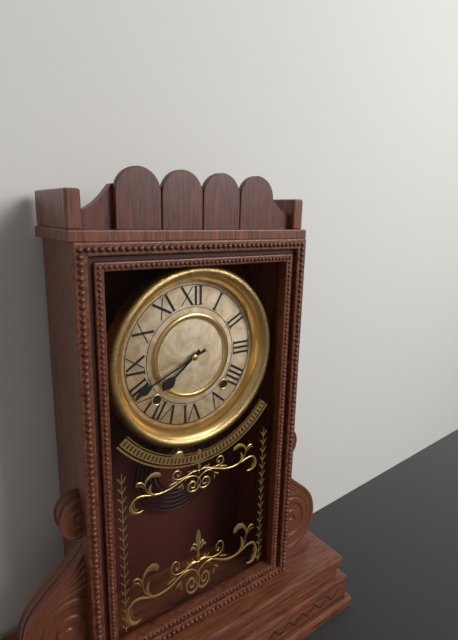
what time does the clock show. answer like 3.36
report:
7.41
